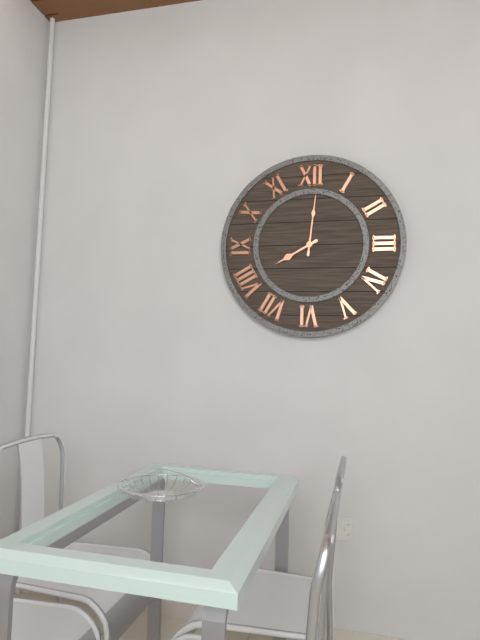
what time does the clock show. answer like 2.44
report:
8.01
